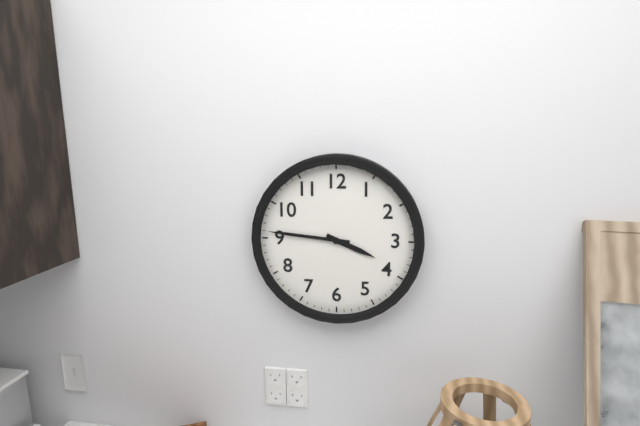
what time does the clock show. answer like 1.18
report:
3.46
